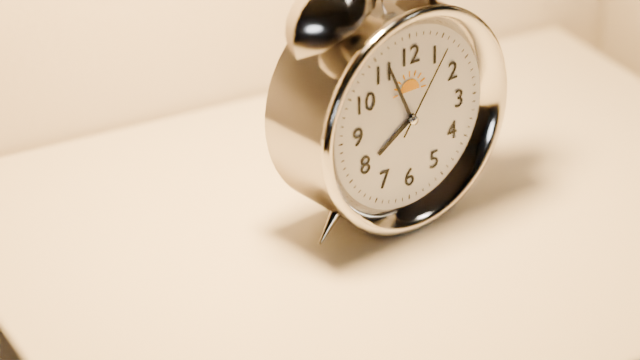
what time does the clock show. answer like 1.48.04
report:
7.56.06
